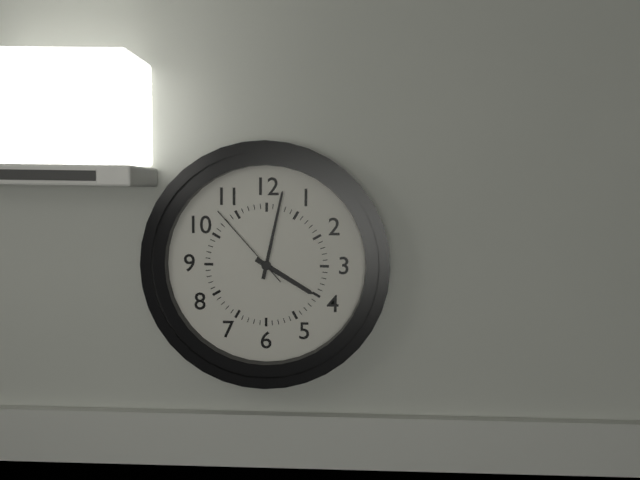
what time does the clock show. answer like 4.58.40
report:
4.02.53
